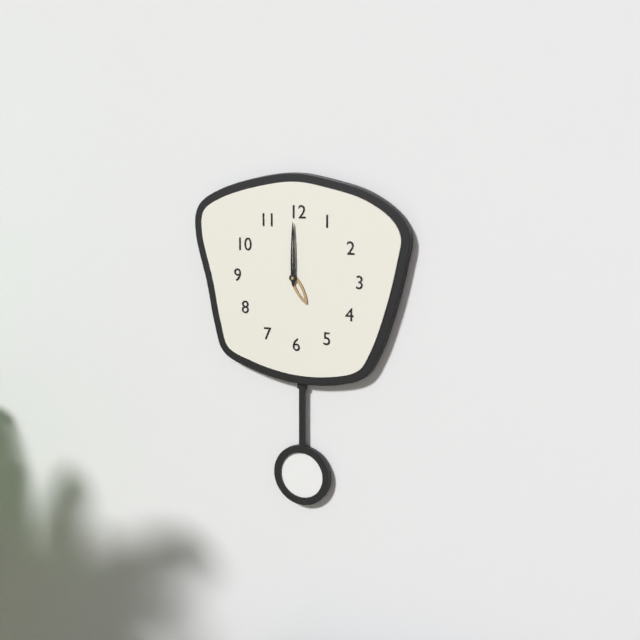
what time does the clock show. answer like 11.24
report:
5.00
